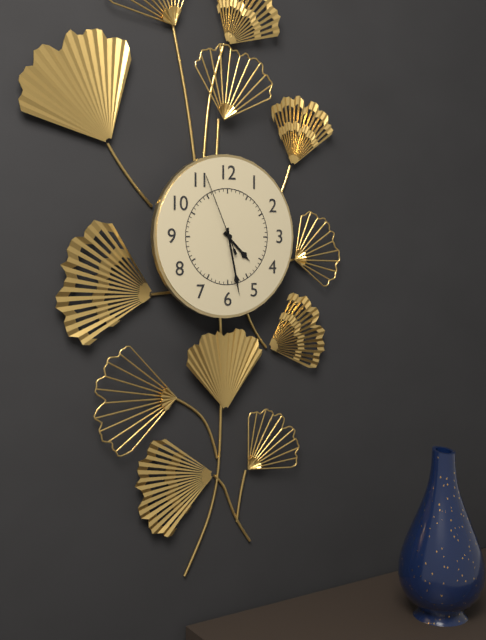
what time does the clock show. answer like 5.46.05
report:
4.28.56
